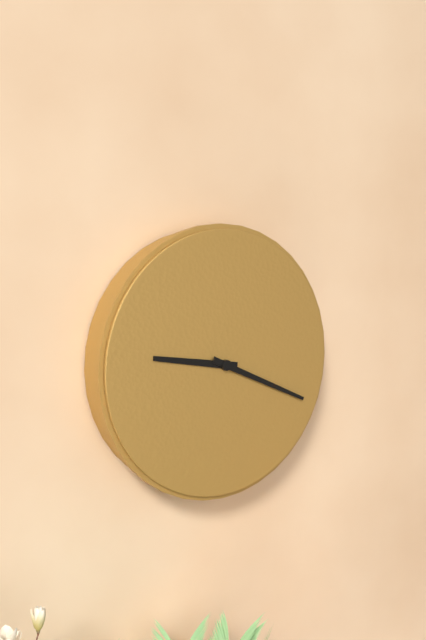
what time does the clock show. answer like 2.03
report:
9.19
